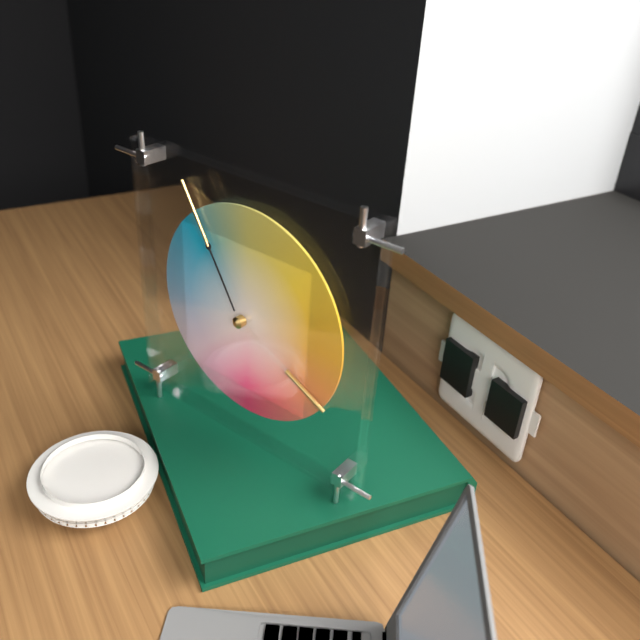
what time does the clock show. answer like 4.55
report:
3.55
